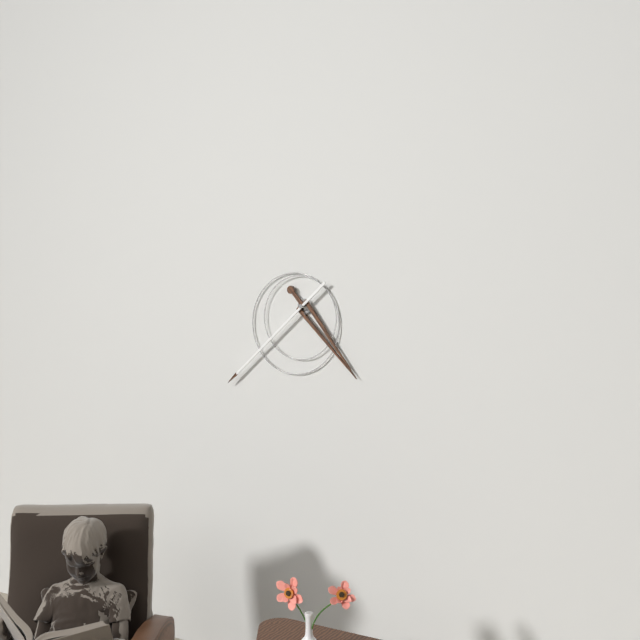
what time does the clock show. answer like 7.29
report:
4.38
